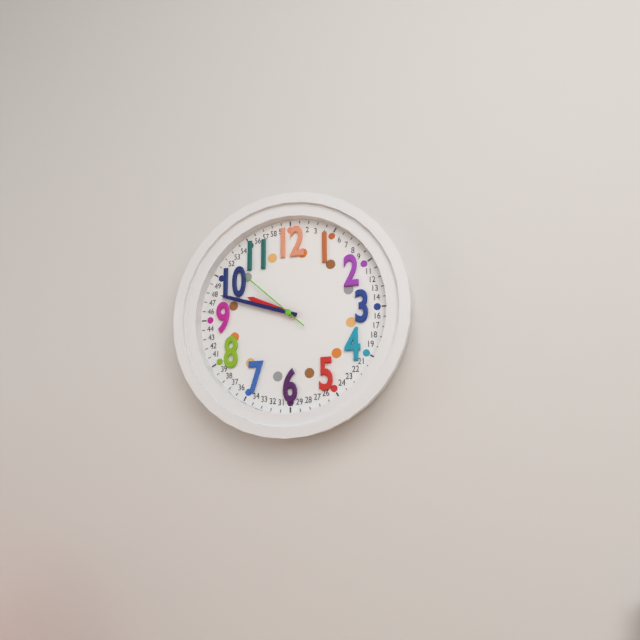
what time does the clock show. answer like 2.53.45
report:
9.48.52
